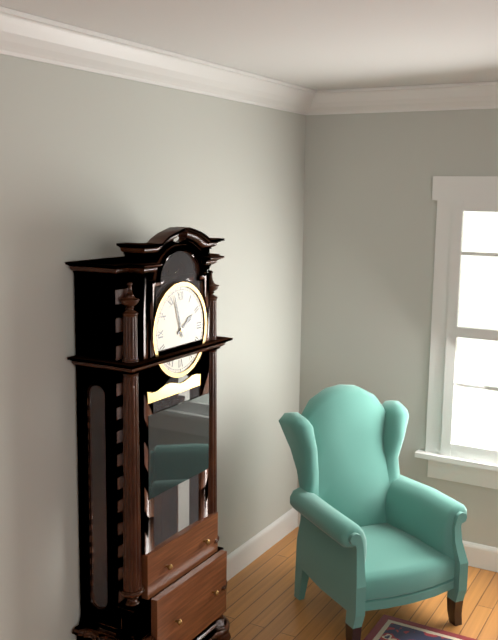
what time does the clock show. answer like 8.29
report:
1.57
